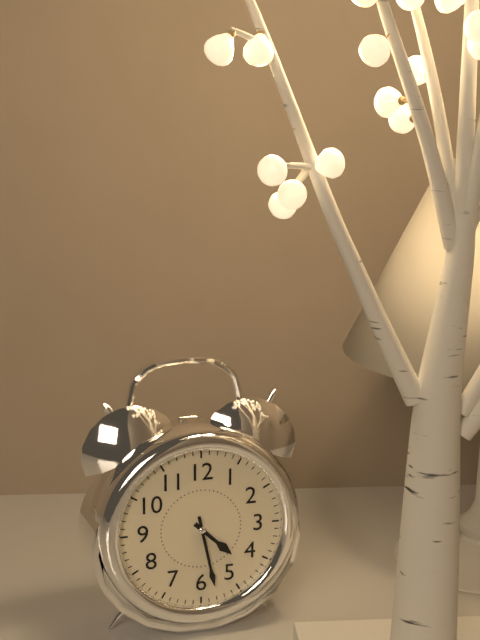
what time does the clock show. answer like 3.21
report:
4.28
